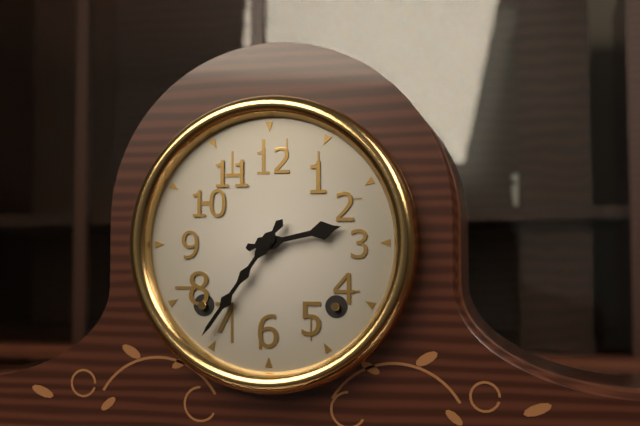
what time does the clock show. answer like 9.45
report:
2.36
